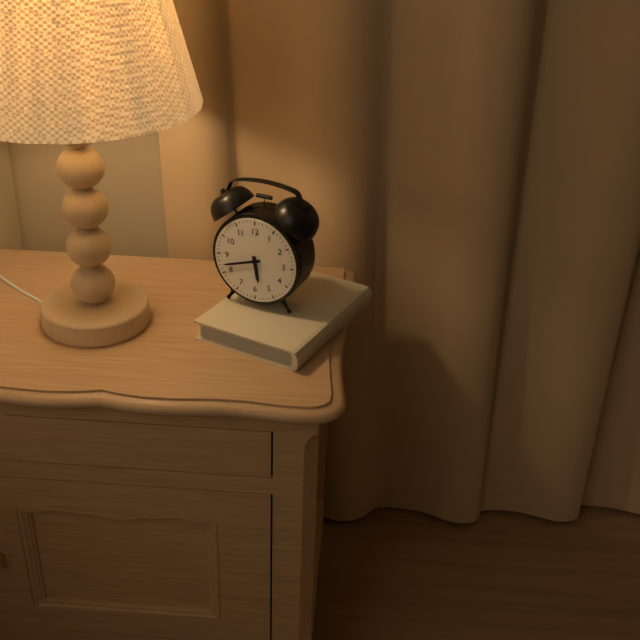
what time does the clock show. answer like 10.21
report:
5.42
